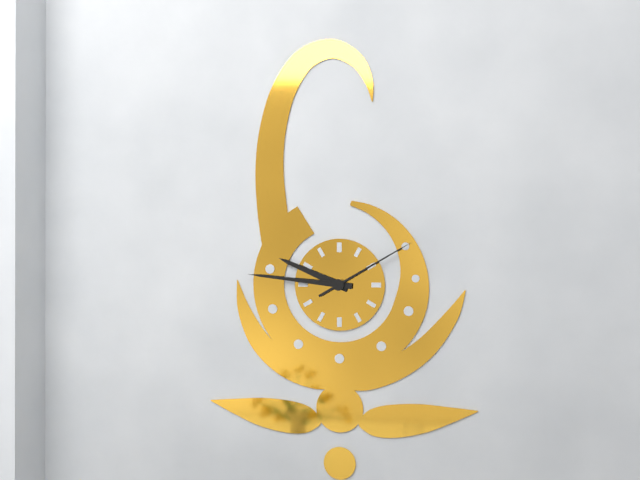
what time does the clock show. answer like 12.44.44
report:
9.46.10
